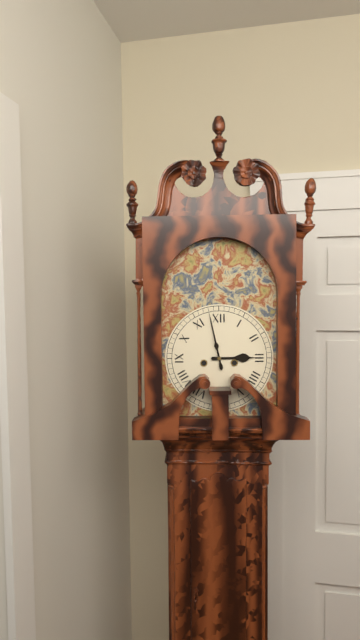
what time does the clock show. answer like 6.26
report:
2.58
